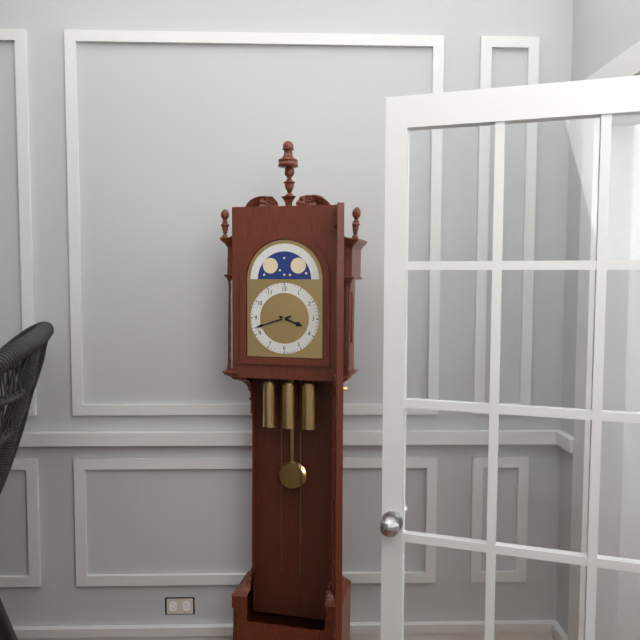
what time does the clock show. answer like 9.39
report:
3.42
